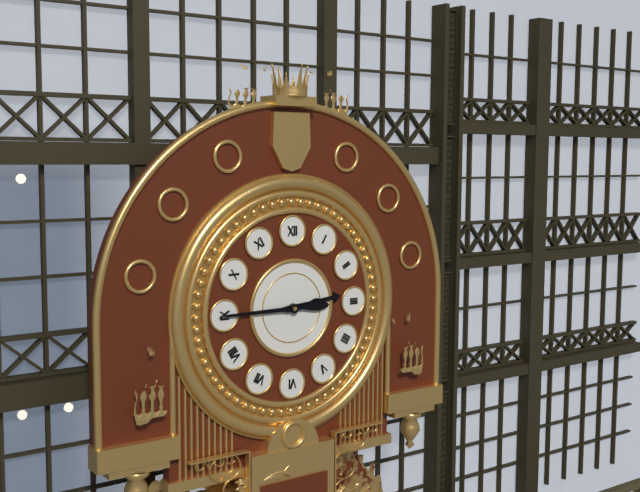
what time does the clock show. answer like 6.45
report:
2.45
